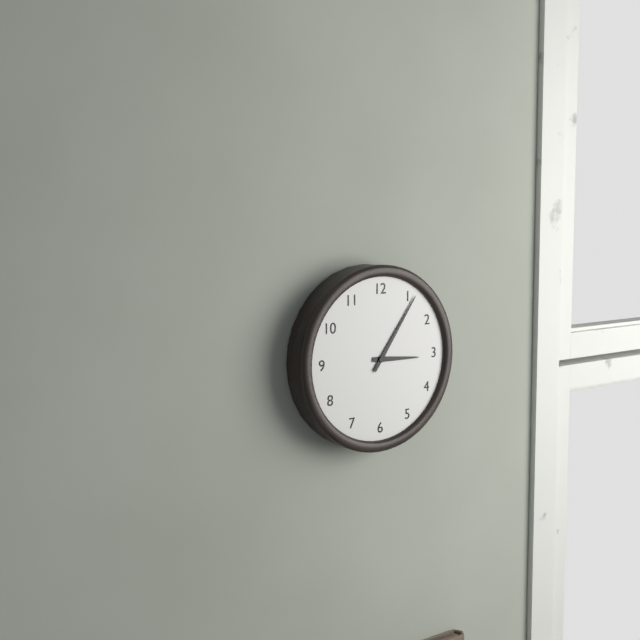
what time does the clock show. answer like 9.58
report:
3.06
